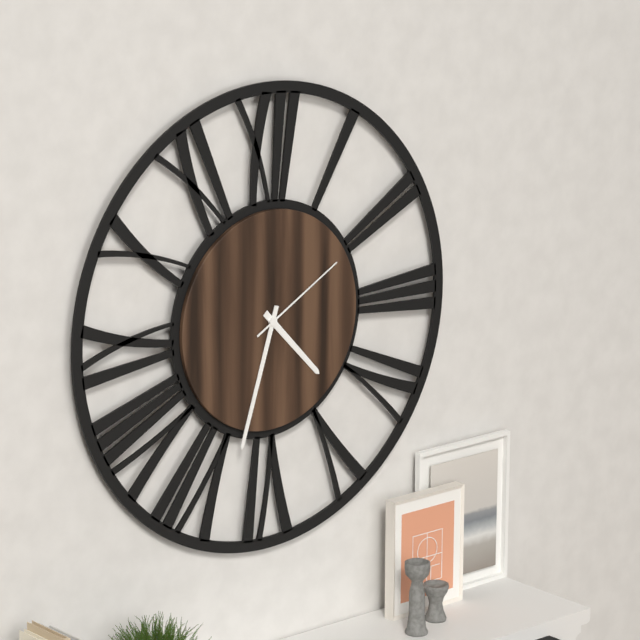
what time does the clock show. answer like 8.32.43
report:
4.33.10
